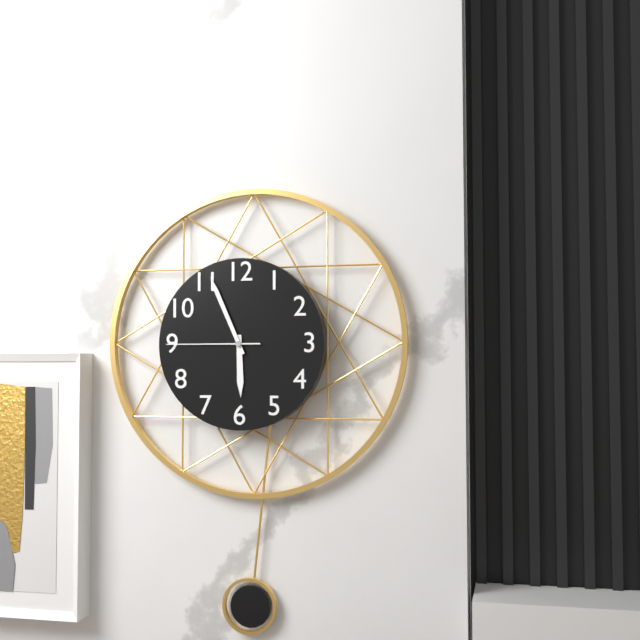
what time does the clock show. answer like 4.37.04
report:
5.56.45
